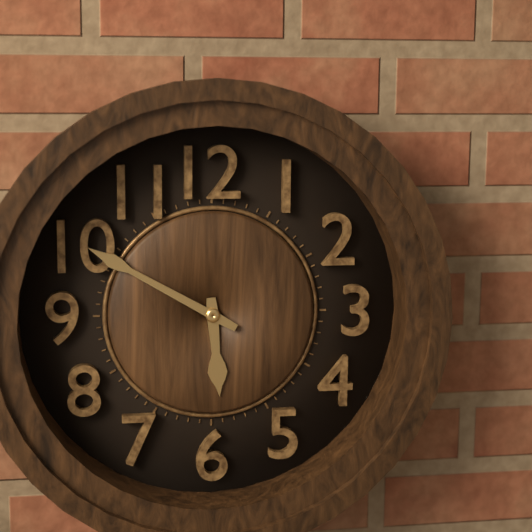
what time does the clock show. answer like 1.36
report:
5.50
